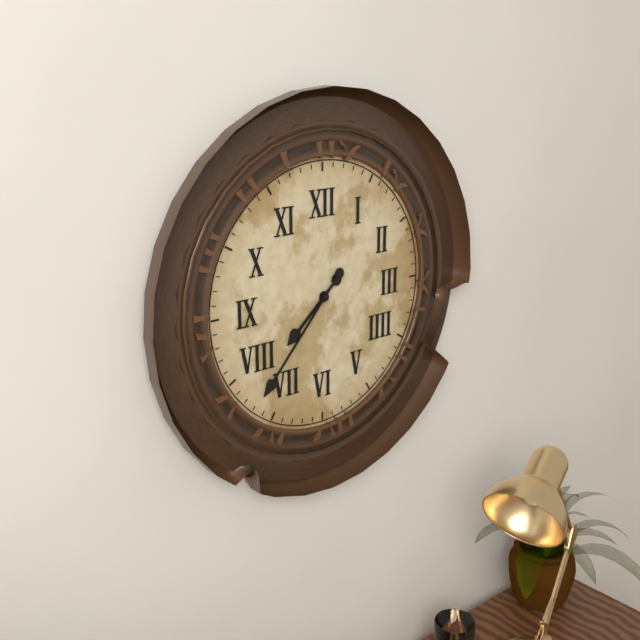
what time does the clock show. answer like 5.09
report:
7.37
